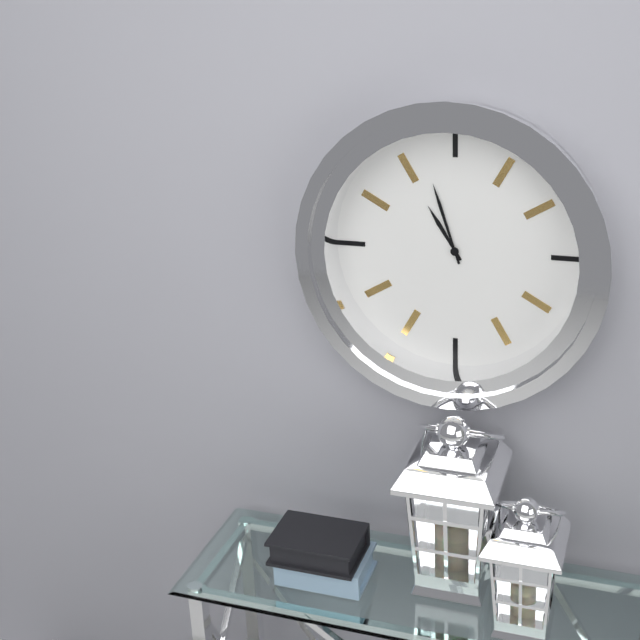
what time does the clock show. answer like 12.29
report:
10.57
